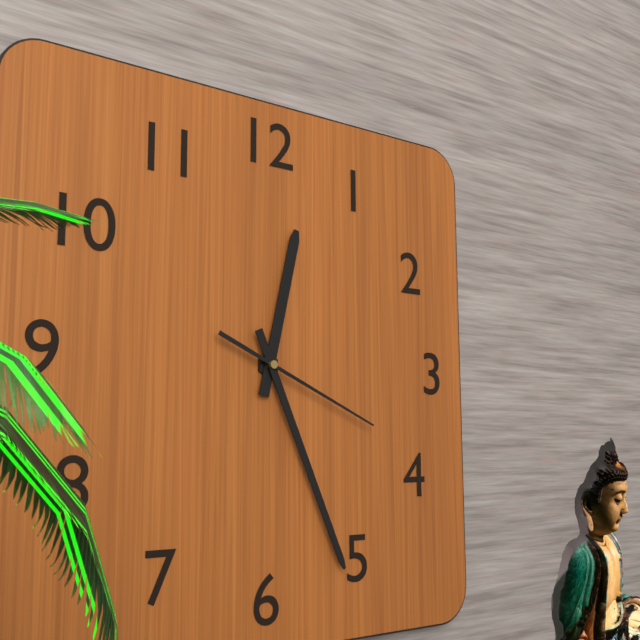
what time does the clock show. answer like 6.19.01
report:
12.26.19
